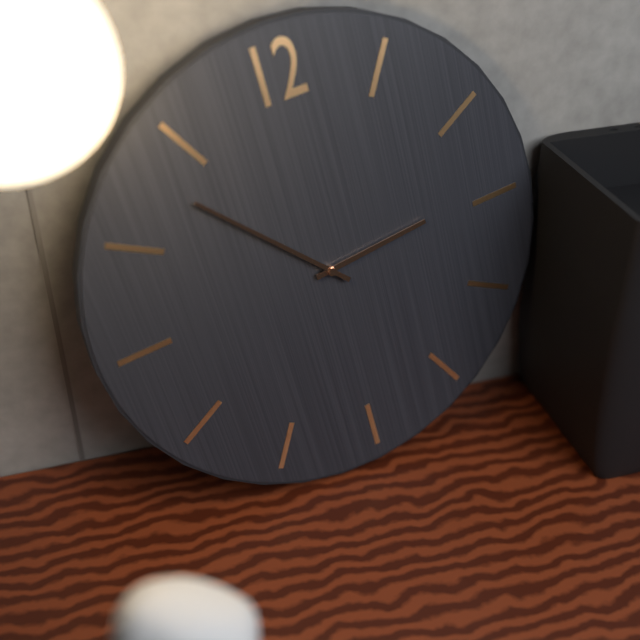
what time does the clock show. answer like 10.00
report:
2.53
